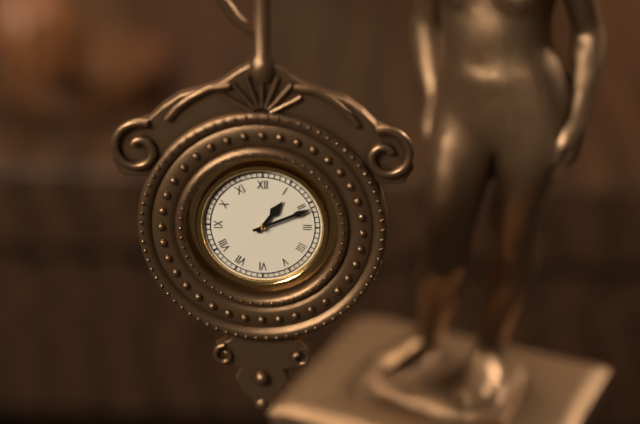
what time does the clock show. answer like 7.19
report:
1.11
